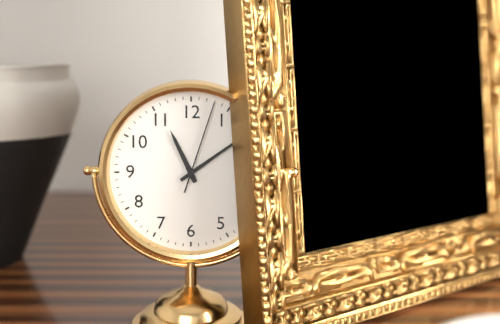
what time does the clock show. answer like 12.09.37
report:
11.09.03
